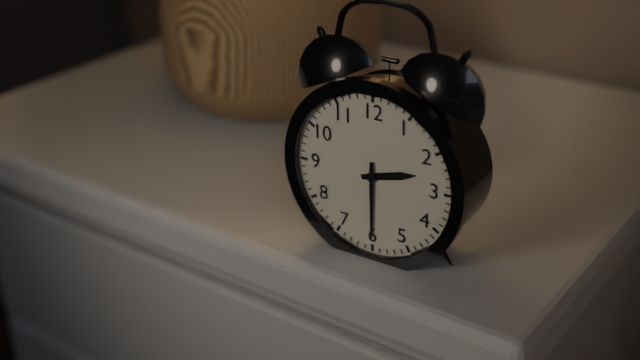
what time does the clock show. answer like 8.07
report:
2.30
